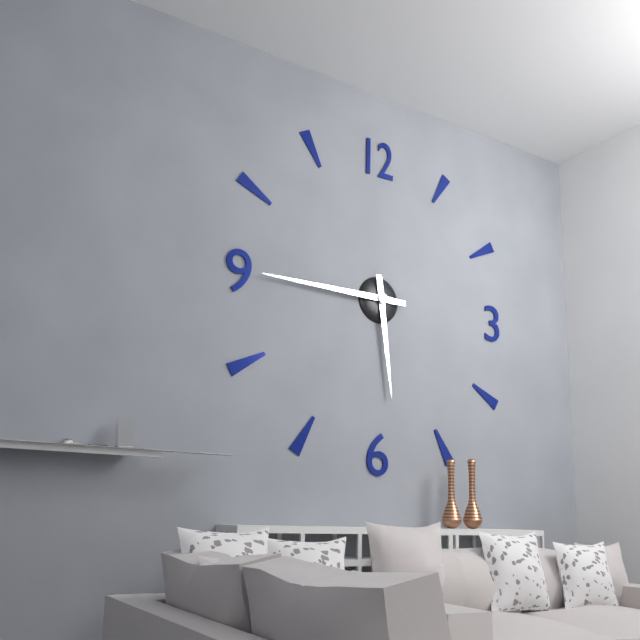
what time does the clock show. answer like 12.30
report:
5.45
